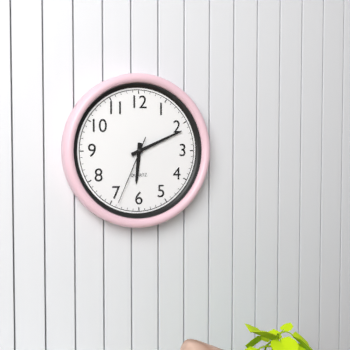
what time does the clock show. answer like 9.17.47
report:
6.11.34
